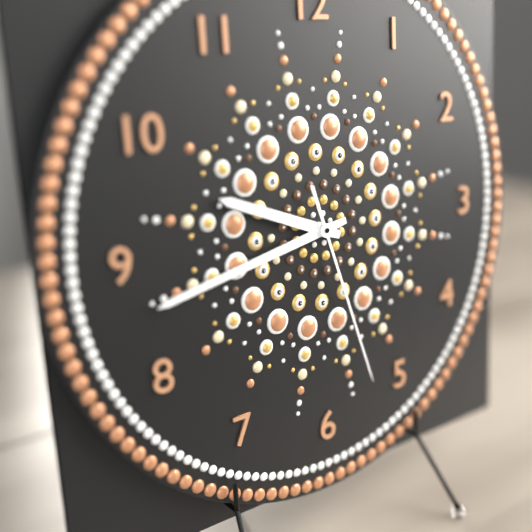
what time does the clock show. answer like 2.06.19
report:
9.43.27
